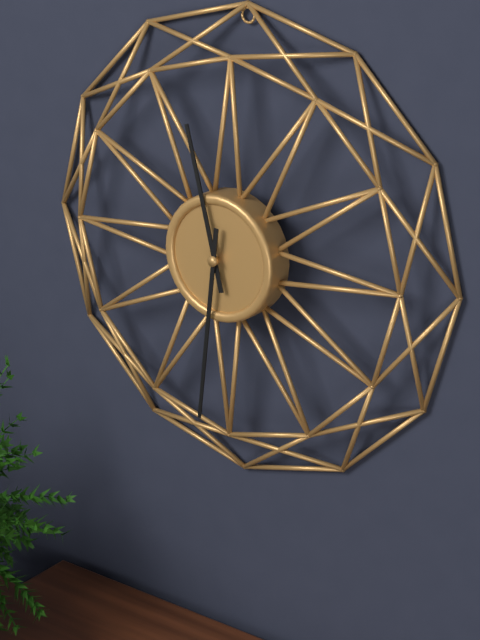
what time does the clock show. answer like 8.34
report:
11.31
